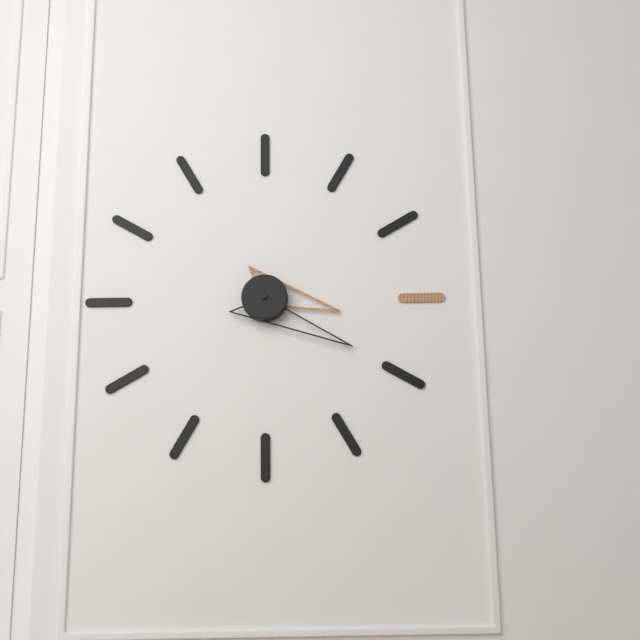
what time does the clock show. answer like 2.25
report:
3.20
